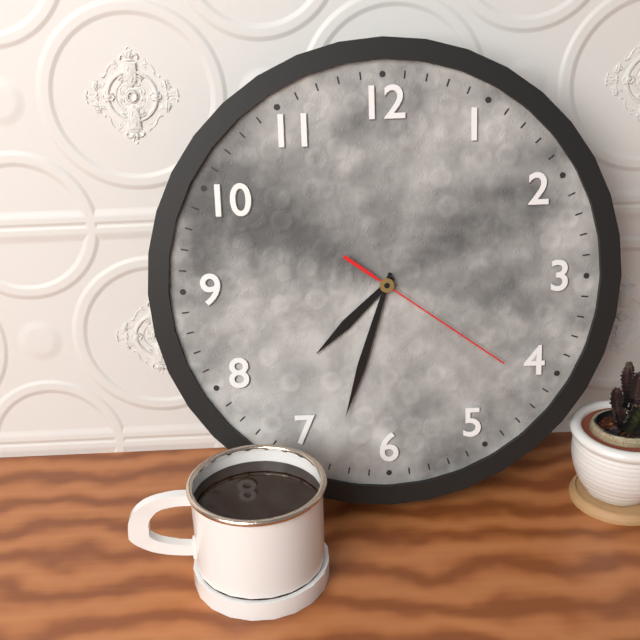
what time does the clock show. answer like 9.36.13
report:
7.33.21
